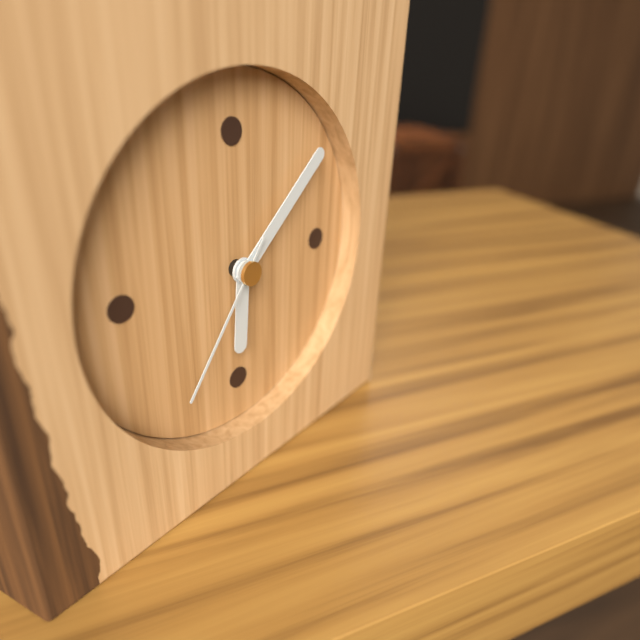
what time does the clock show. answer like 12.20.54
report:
6.08.36
